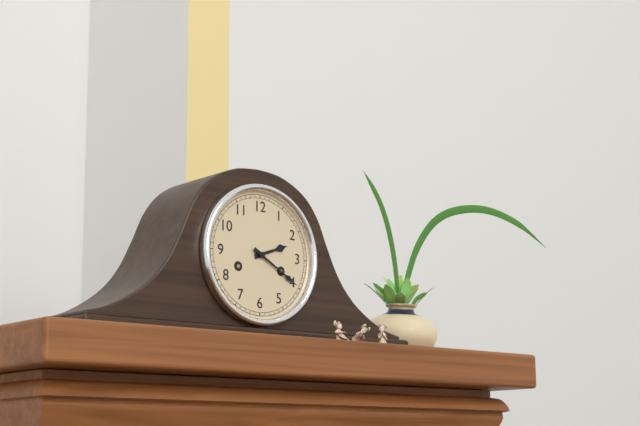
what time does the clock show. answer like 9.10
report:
2.20
